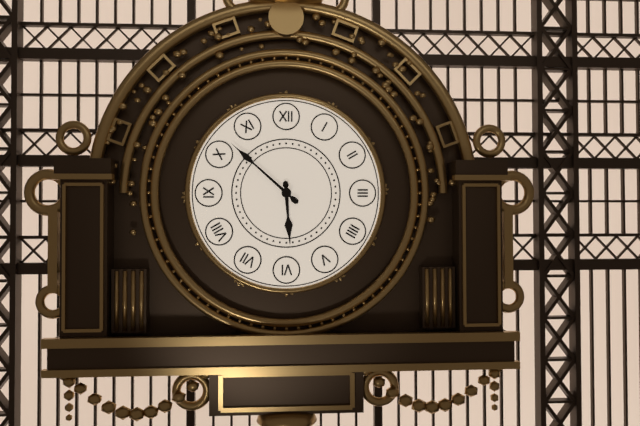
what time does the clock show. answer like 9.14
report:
5.52
